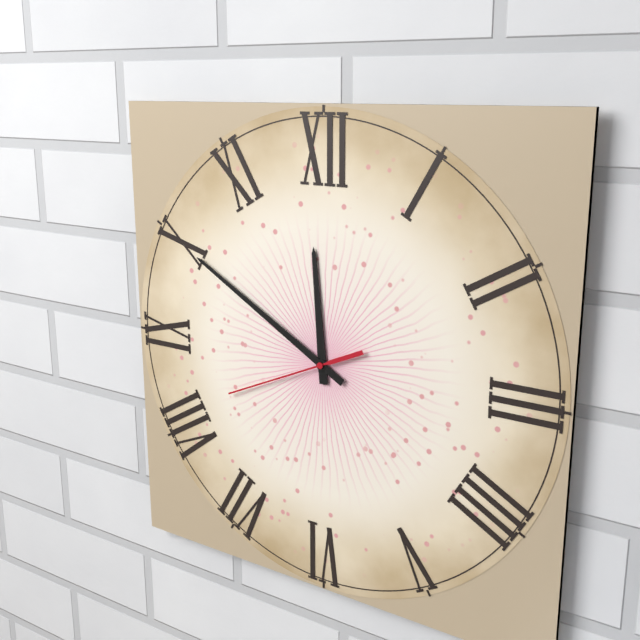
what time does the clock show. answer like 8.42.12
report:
11.50.41
